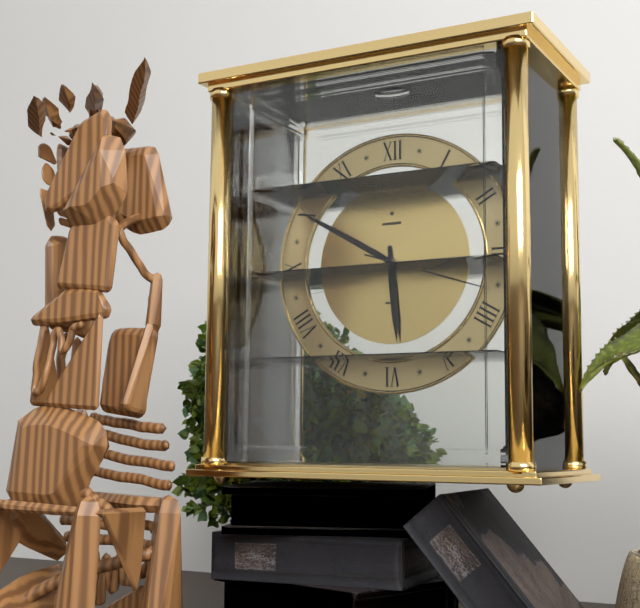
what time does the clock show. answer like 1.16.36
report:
5.50.18
